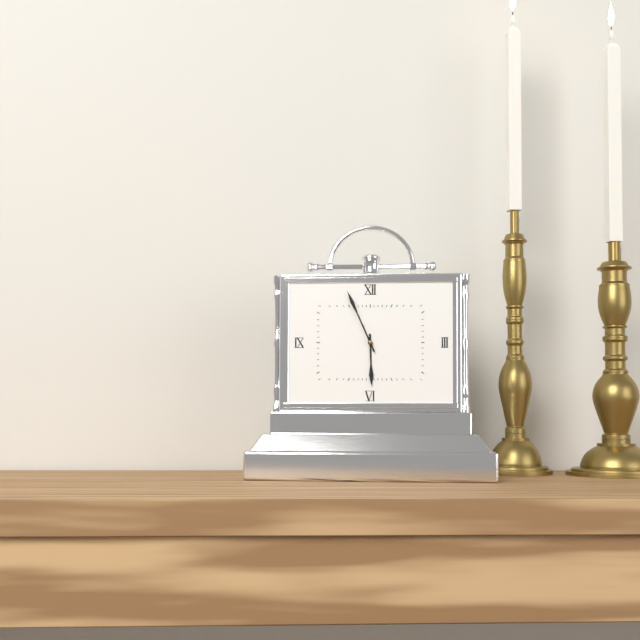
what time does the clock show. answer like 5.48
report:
5.56
